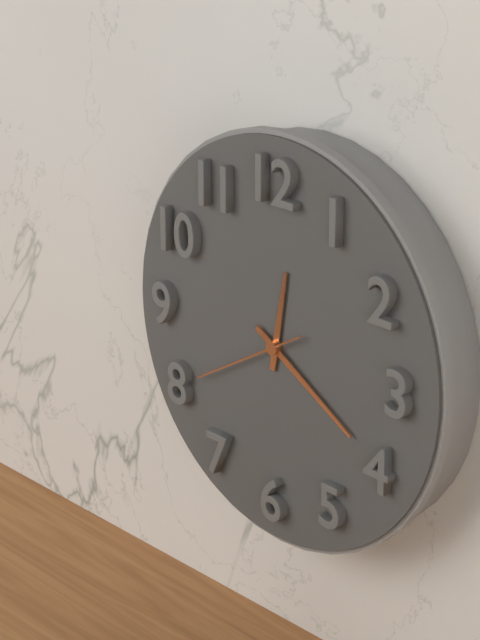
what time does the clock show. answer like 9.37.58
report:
12.20.40
